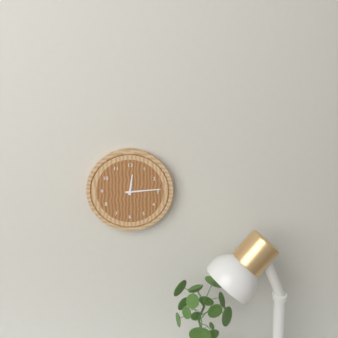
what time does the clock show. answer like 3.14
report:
12.14
